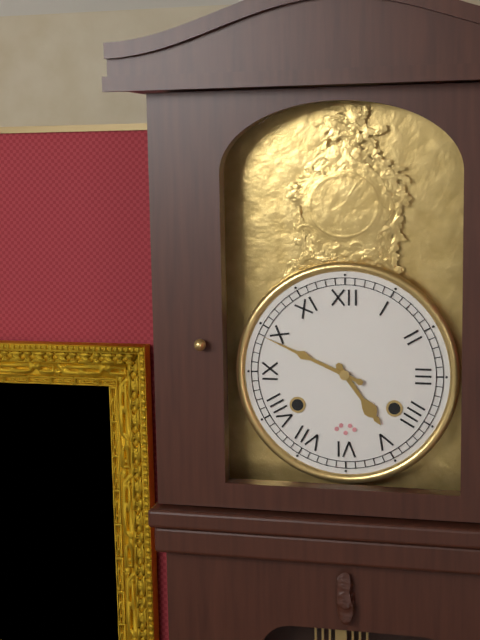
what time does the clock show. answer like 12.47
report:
4.49
